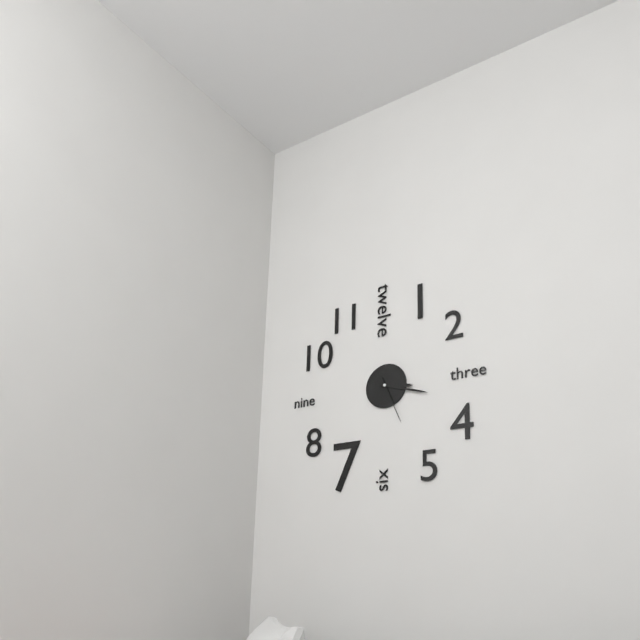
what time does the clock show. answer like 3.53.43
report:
3.18.26
